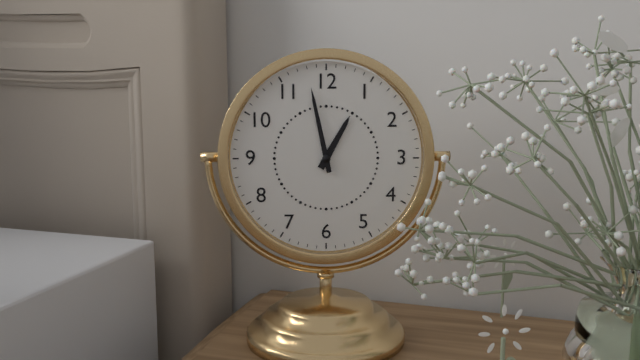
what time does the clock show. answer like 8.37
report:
12.58
